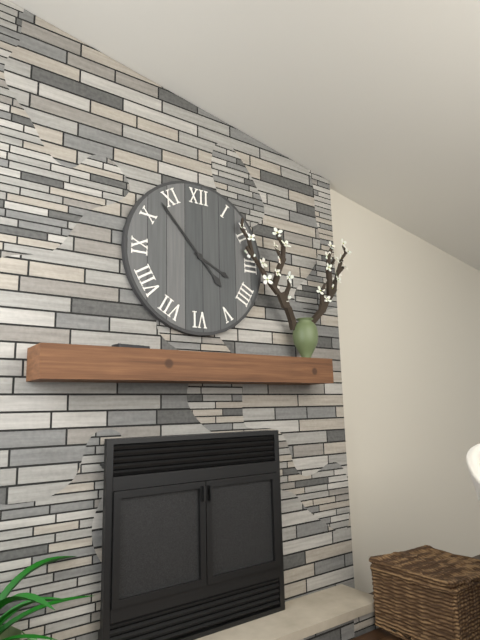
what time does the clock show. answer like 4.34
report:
3.53
